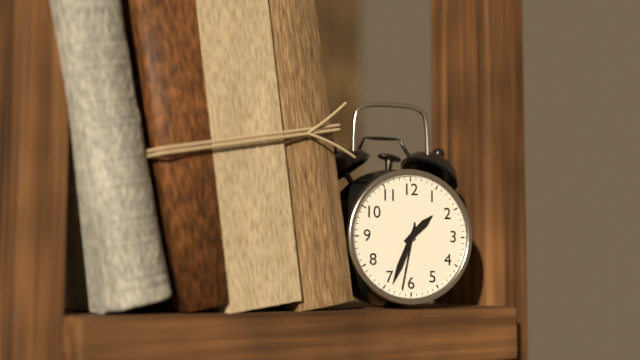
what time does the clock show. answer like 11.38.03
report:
1.34.32
